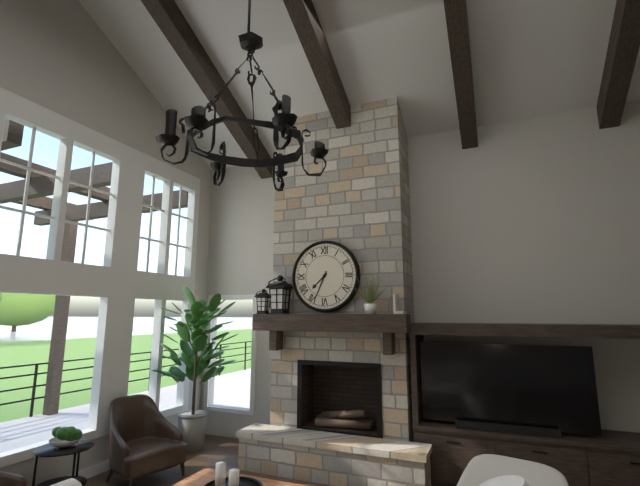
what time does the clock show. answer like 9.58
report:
7.34
